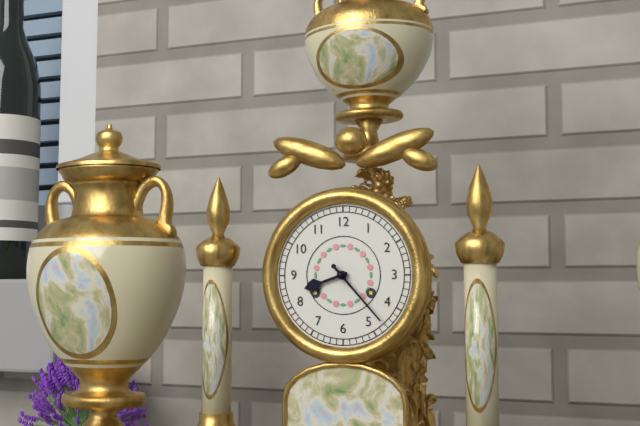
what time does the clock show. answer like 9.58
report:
8.23
